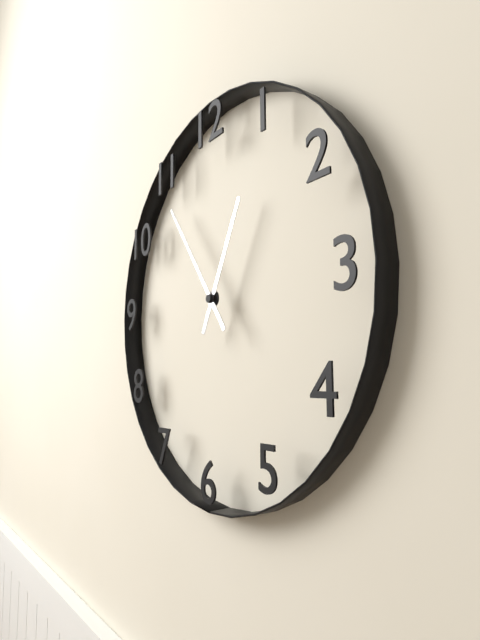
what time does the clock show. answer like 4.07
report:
12.54
